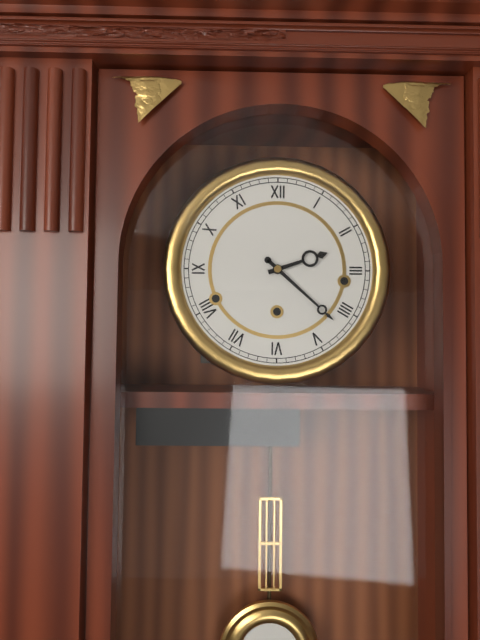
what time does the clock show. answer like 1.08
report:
2.22
